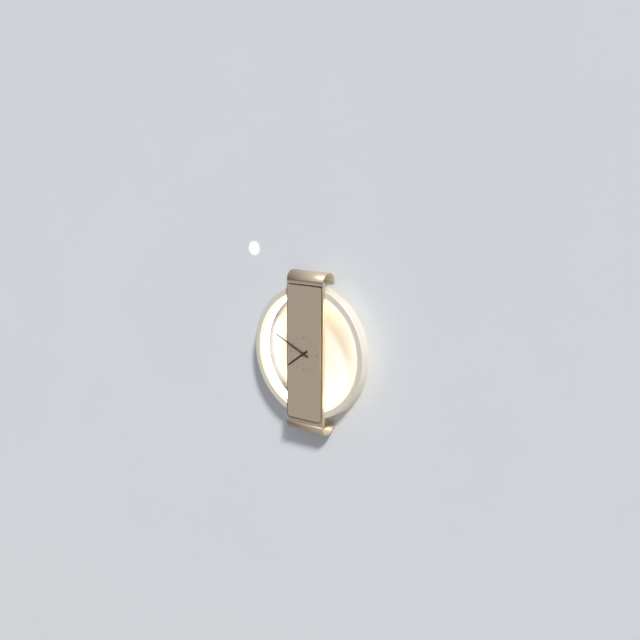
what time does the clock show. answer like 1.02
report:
7.49
